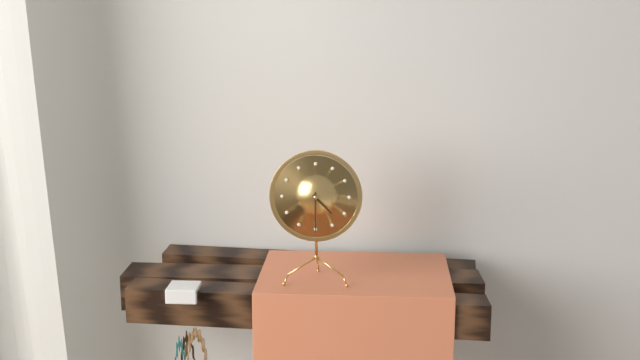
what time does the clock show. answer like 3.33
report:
4.30
